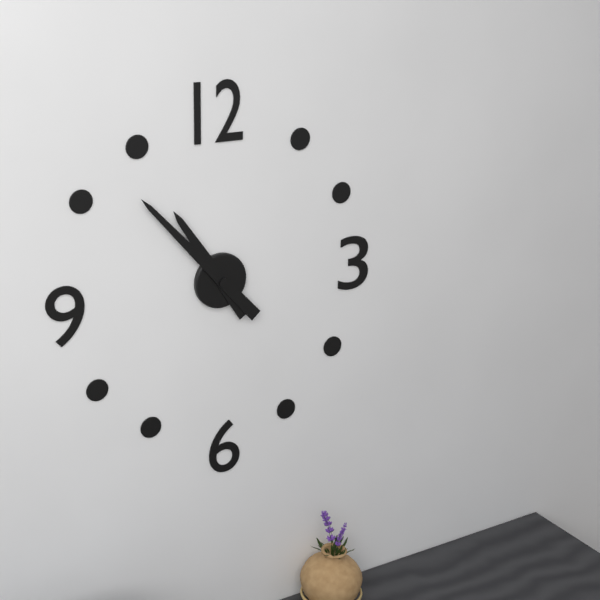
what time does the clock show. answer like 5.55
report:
10.53
